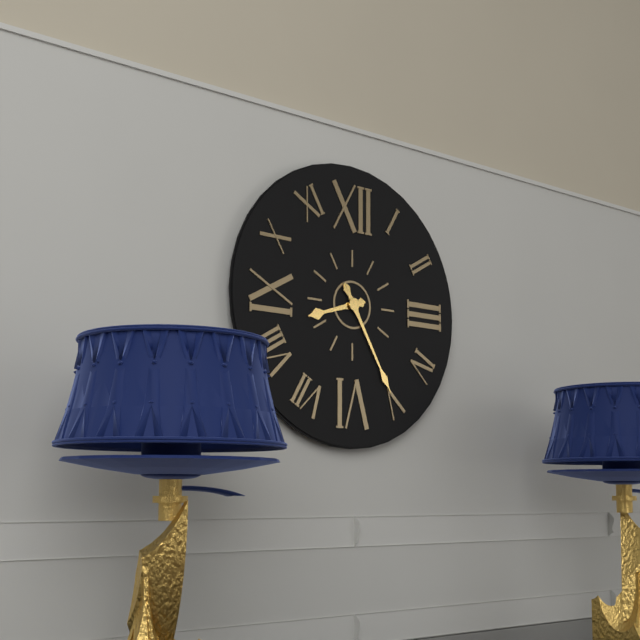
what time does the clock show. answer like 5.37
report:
8.25
